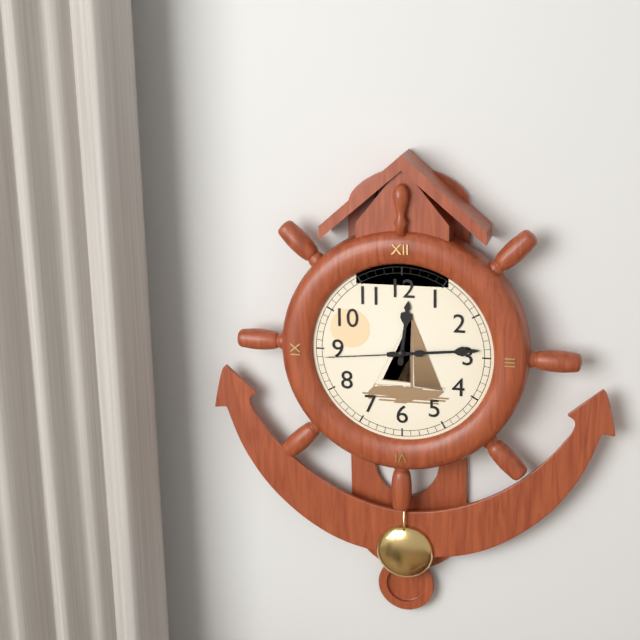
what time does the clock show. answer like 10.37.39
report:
12.14.44
